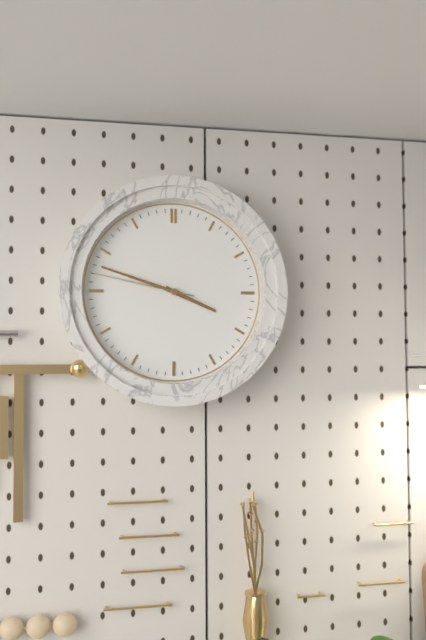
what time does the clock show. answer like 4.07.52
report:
3.48.47
